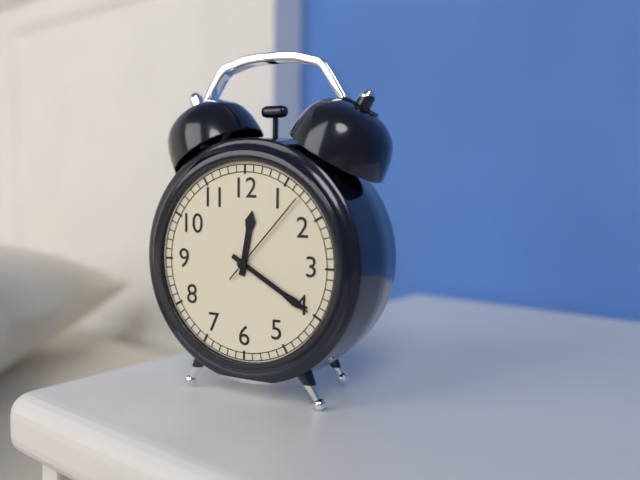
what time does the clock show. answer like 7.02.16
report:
12.20.07
